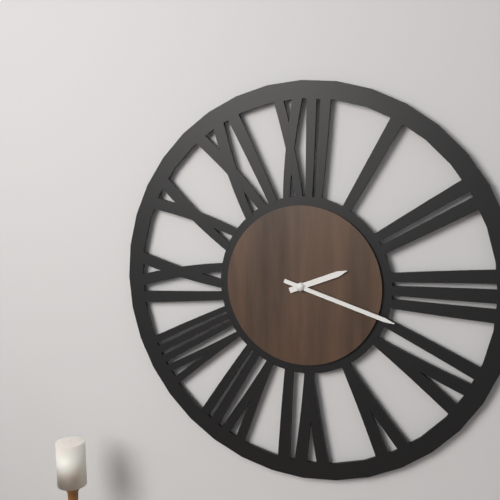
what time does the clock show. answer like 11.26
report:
2.18
